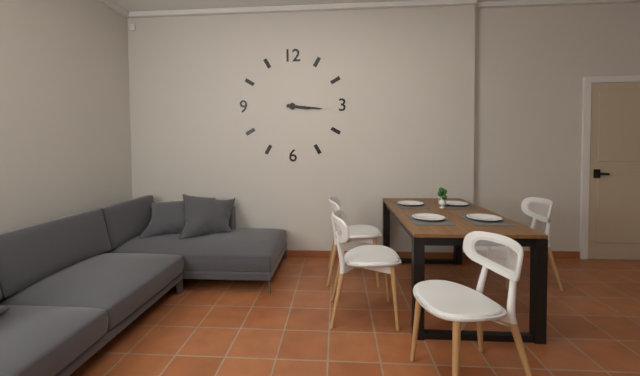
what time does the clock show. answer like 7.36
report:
3.16
